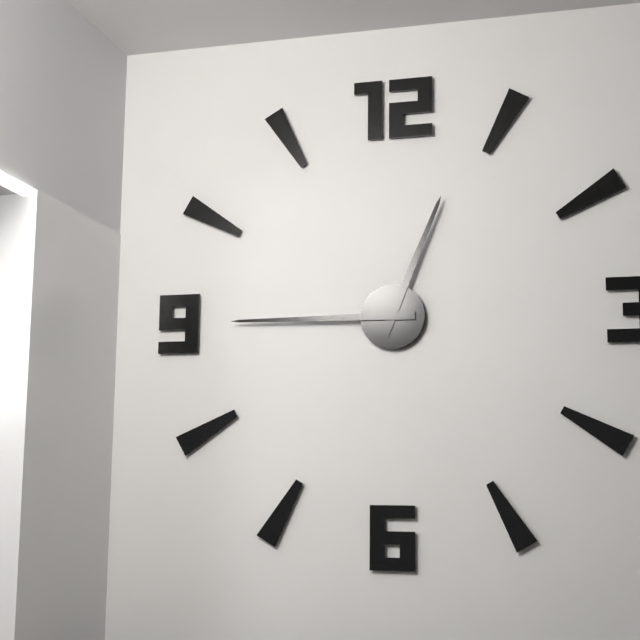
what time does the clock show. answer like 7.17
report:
12.45
